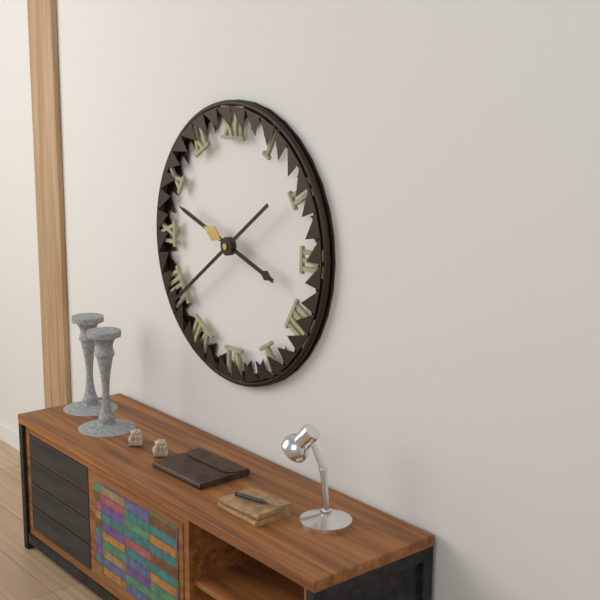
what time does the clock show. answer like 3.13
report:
9.39
